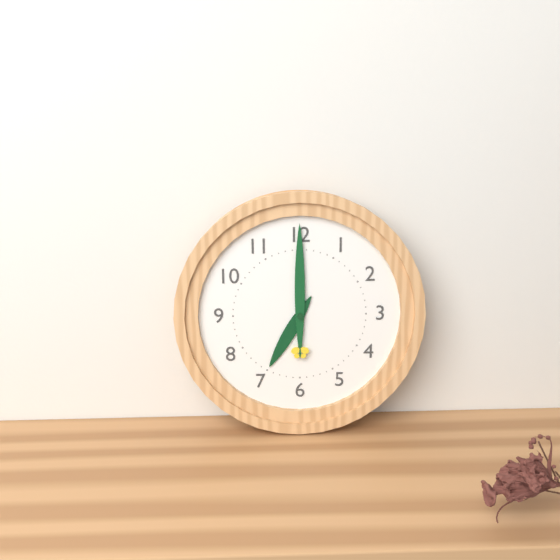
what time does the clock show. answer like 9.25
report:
7.00
